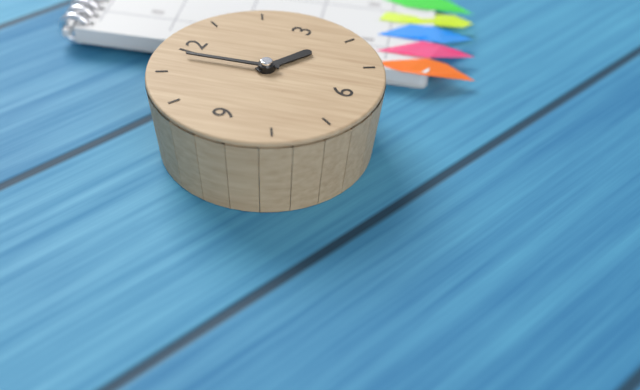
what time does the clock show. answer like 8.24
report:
3.58
